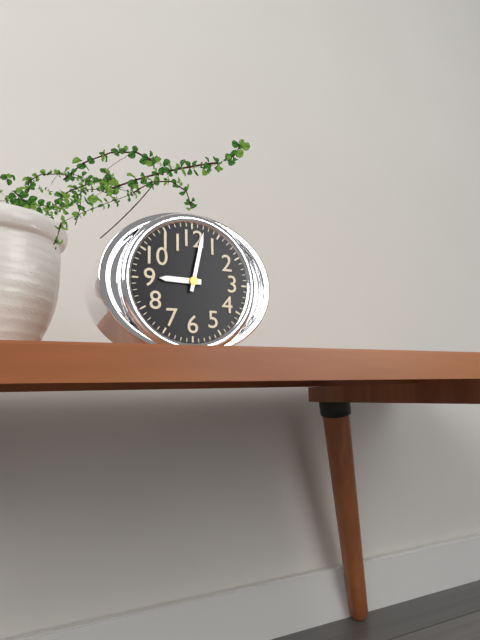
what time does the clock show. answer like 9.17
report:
9.02
